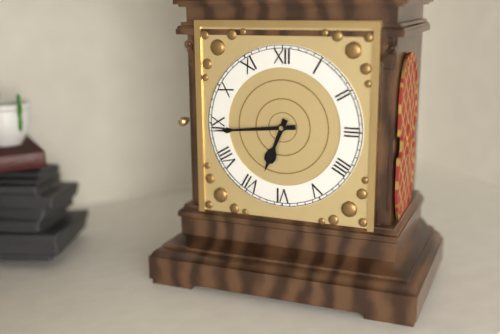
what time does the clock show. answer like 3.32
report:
6.44
